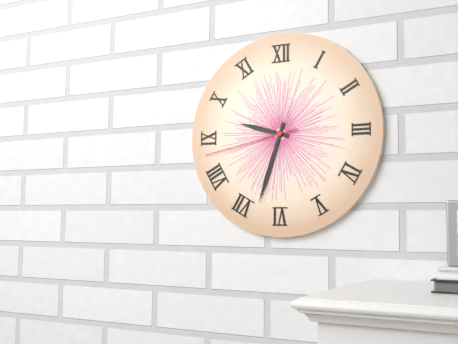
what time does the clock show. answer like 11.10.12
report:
9.33.43
